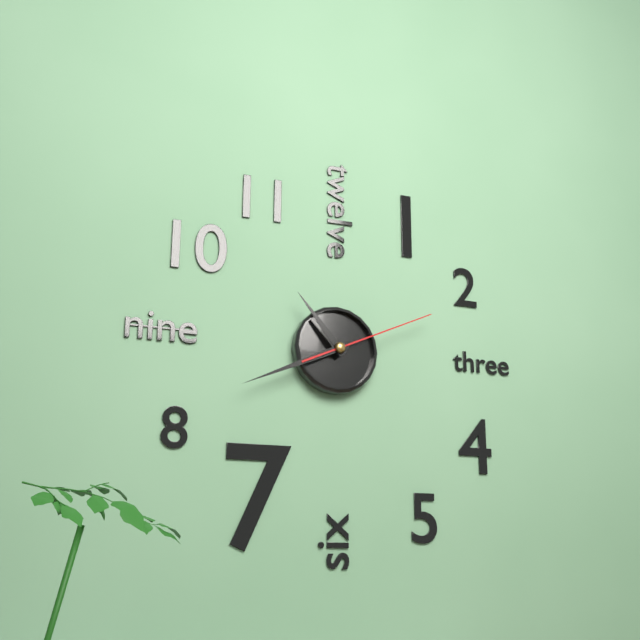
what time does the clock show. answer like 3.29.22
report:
10.41.11
